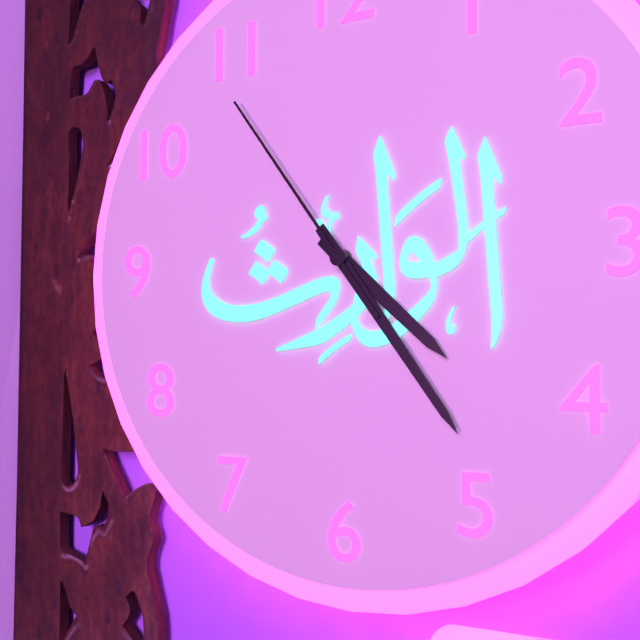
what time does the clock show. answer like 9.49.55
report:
4.24.54
